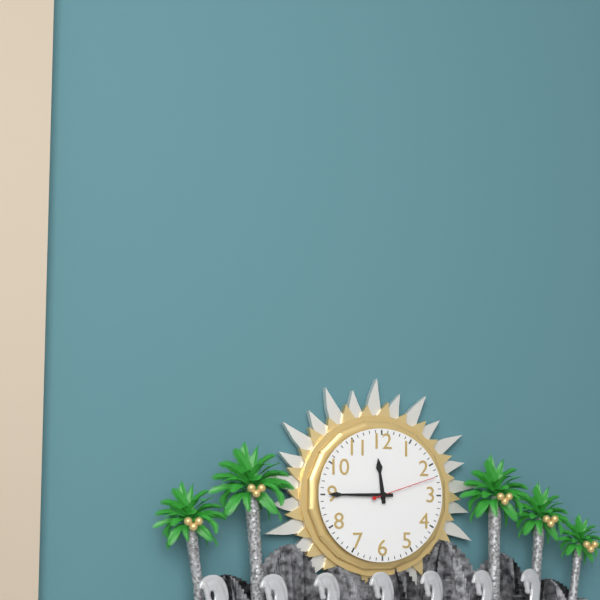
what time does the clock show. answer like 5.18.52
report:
11.45.12
